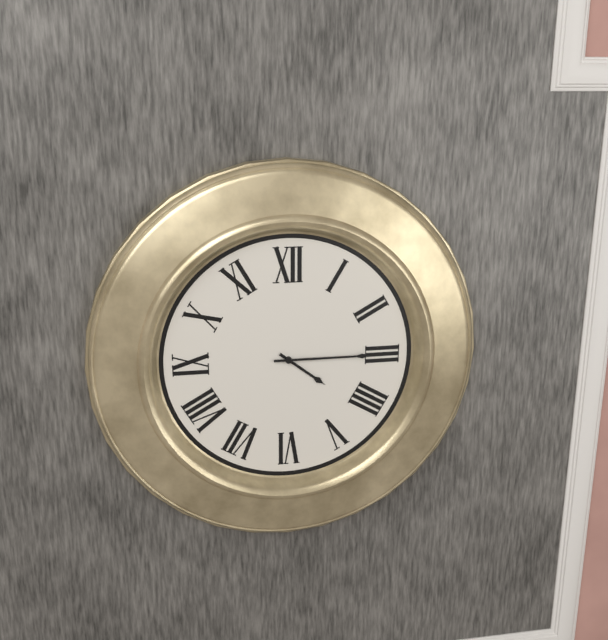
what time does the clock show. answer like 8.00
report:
4.15
